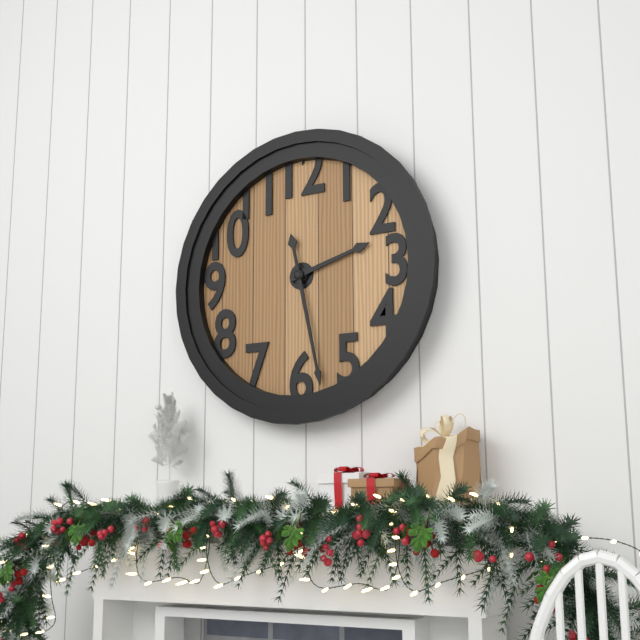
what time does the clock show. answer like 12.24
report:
2.28
